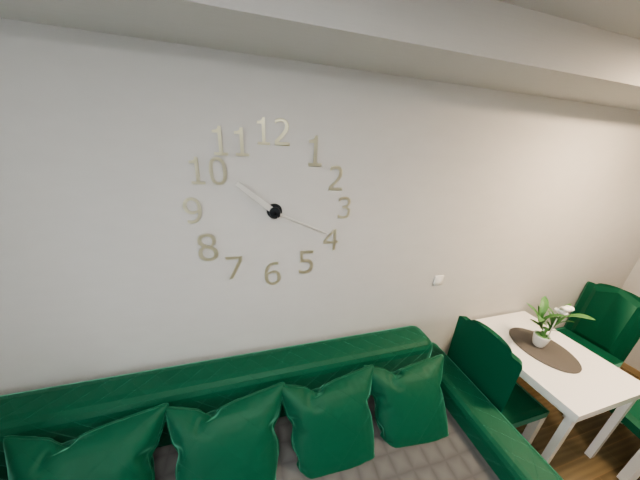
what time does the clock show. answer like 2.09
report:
10.19
